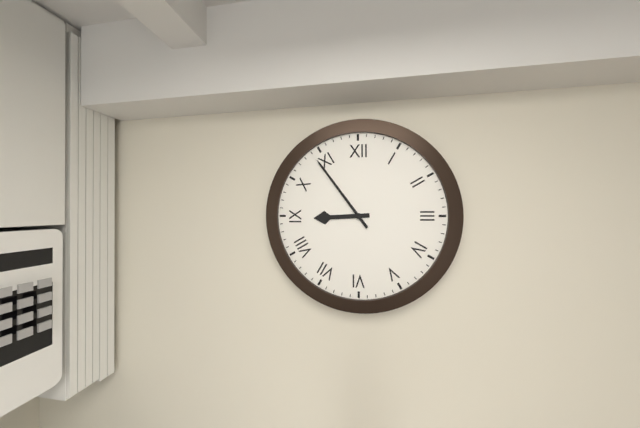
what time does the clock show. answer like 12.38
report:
8.54
